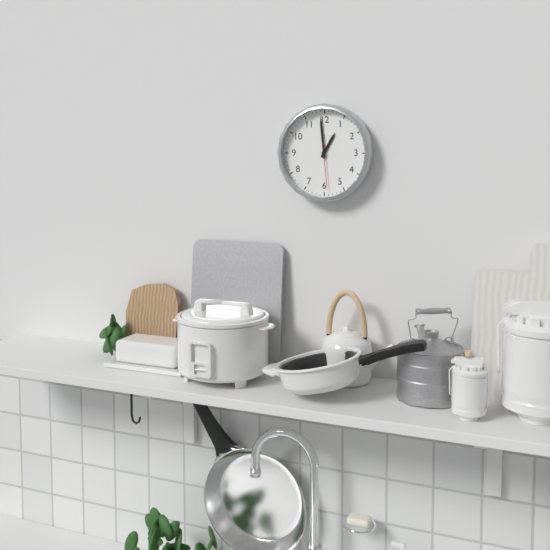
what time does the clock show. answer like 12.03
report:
12.59
